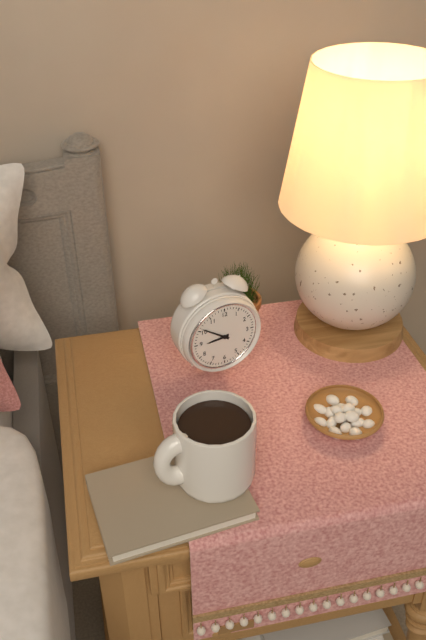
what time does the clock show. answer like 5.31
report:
8.51
